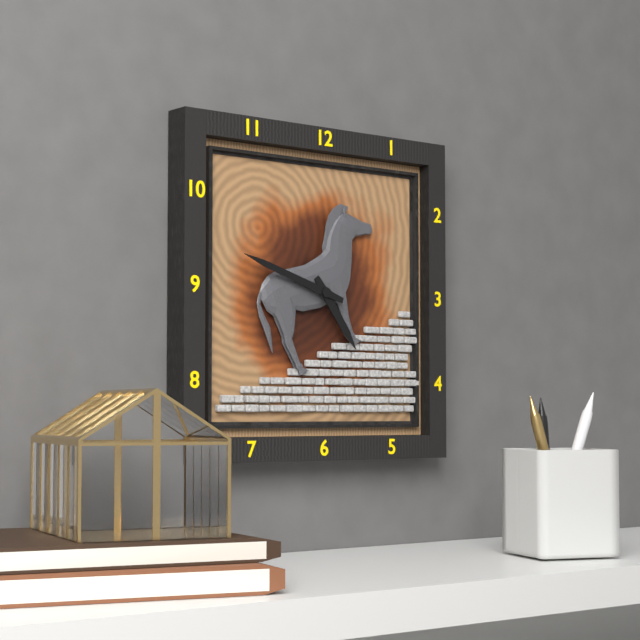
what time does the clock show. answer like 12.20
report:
4.48
